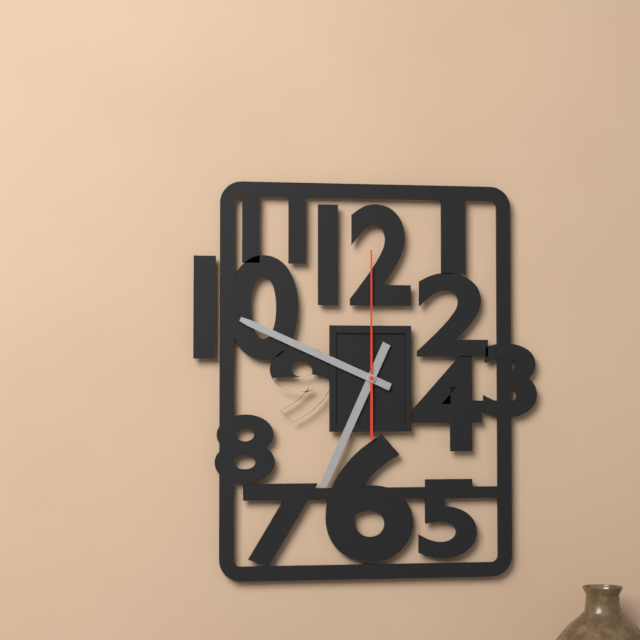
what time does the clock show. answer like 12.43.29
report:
6.49.00
